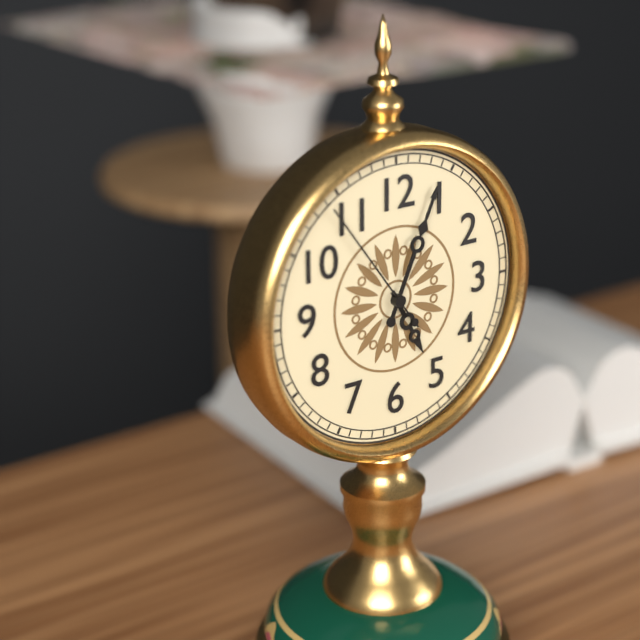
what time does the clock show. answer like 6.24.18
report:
5.04.54
